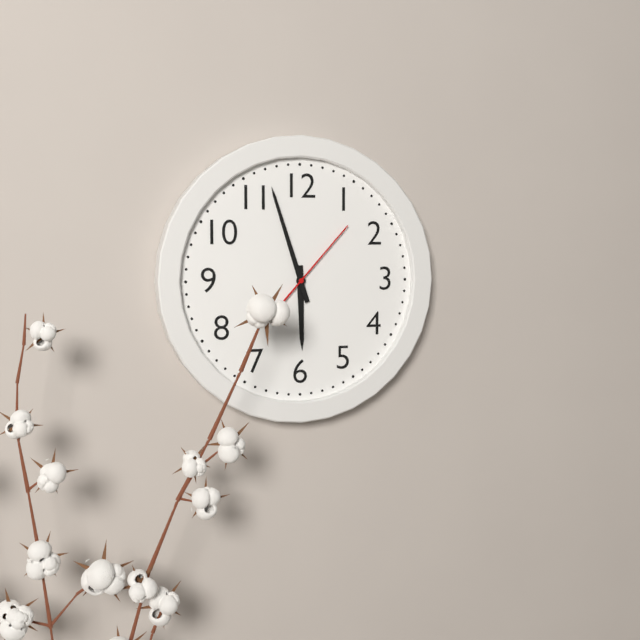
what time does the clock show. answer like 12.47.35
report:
5.57.07
